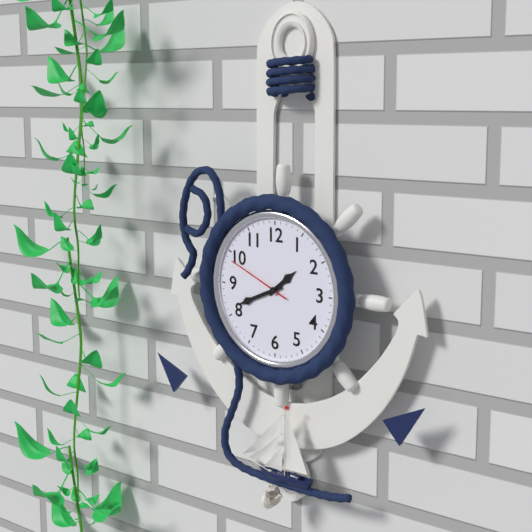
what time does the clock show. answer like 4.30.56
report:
1.41.49
